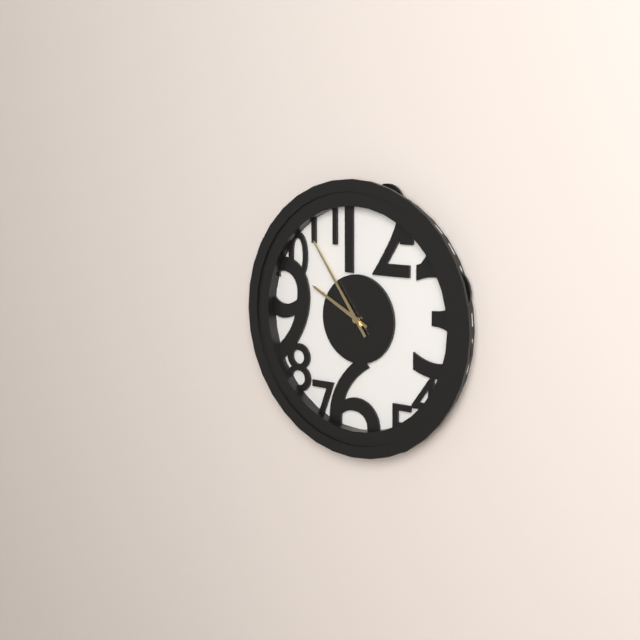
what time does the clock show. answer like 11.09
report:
9.54
